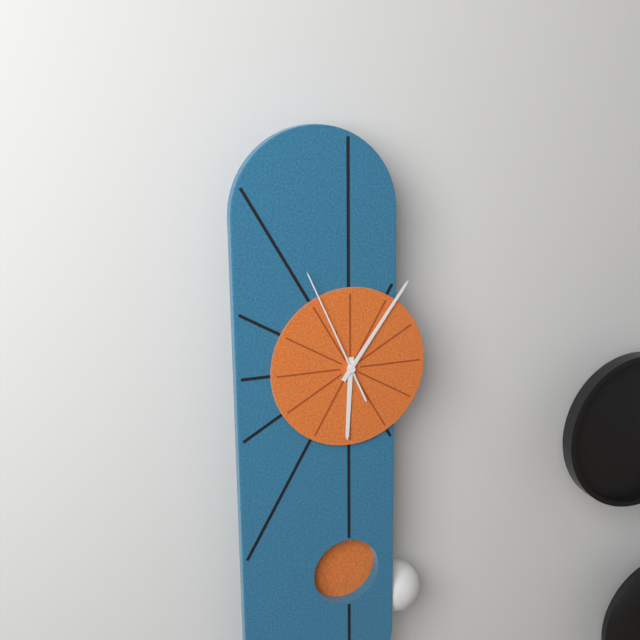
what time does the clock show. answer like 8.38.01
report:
6.06.56
